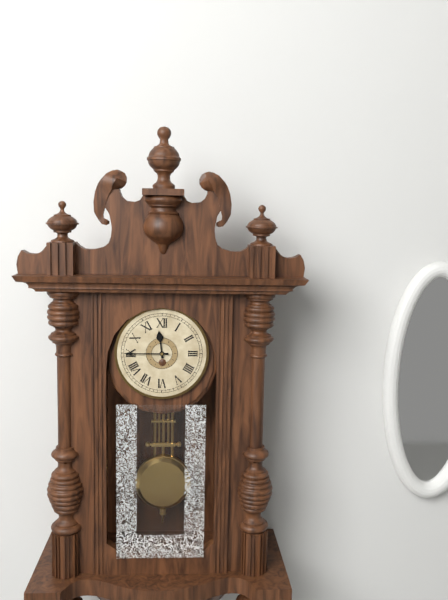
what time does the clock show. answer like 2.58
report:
11.45
